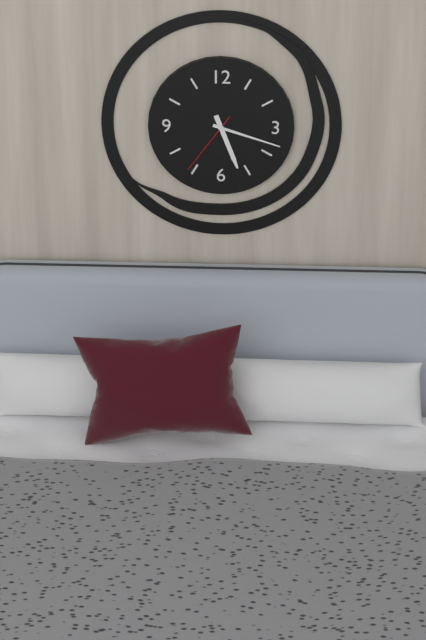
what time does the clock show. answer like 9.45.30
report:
5.18.36
